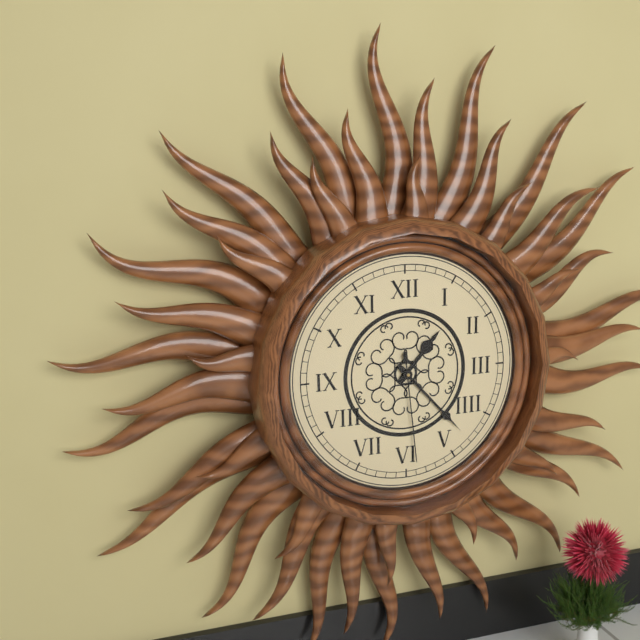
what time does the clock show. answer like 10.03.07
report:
1.23.29
